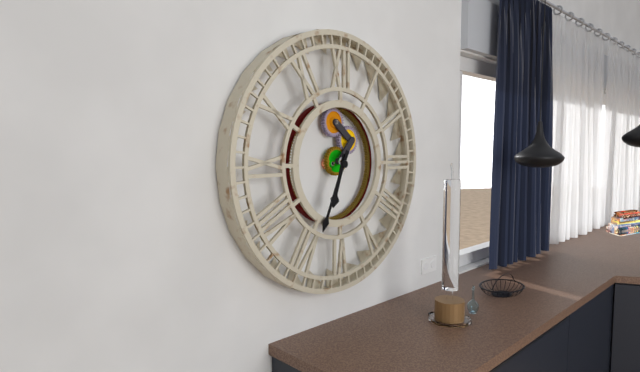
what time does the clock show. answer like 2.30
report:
6.34
